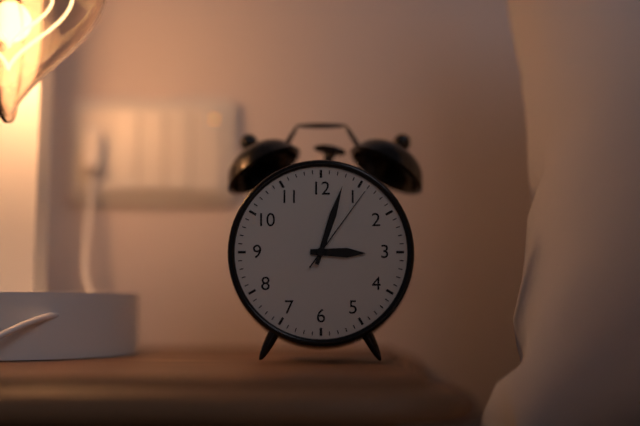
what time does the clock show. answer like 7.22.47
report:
3.03.06
